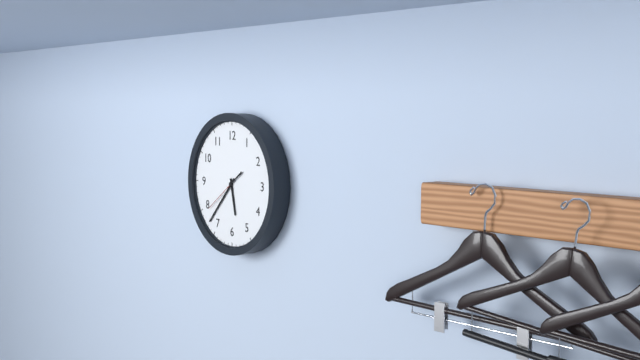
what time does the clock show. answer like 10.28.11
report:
5.37.39
